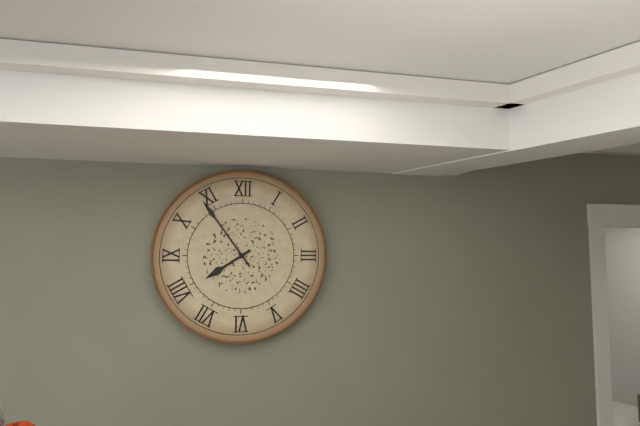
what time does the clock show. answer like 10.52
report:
7.54
